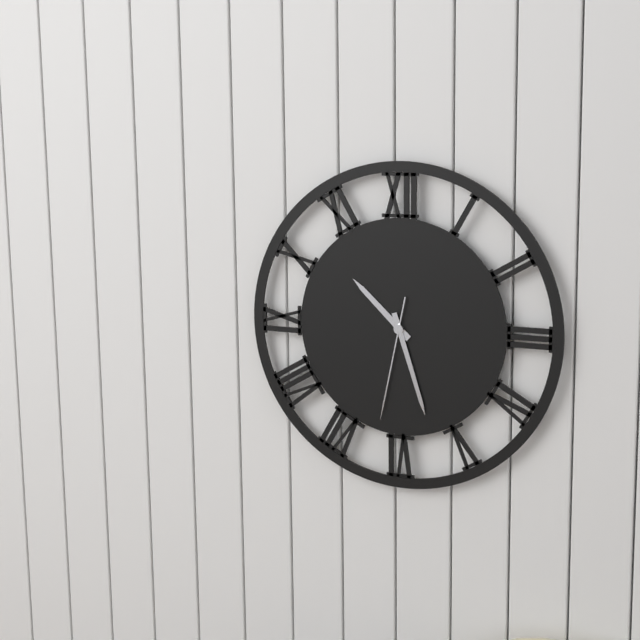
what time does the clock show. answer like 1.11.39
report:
10.27.32
